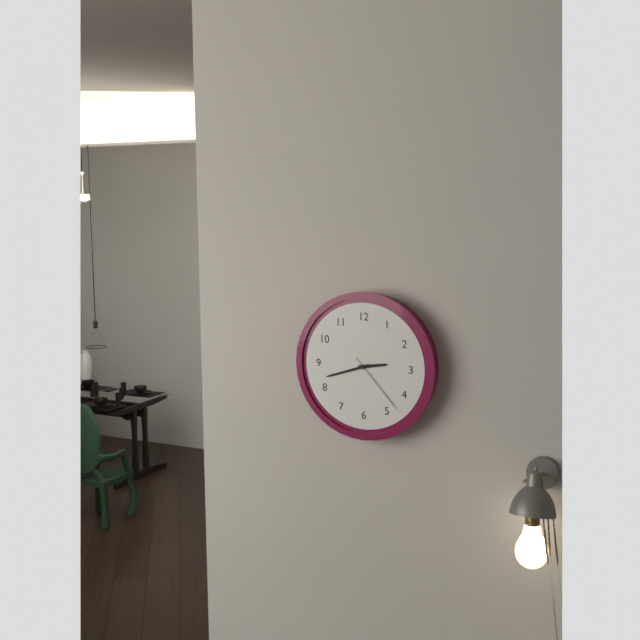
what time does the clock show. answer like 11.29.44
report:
2.42.23
